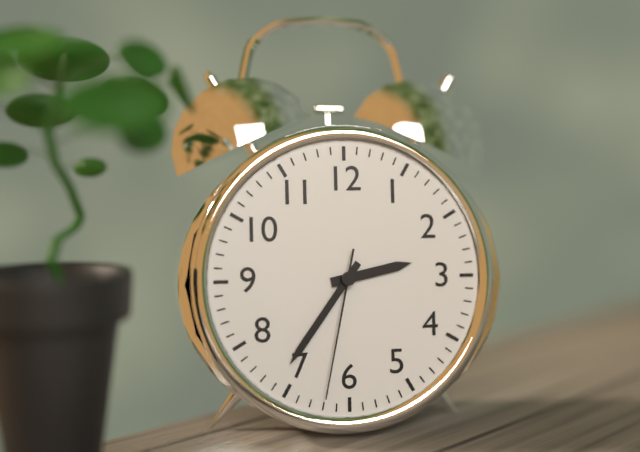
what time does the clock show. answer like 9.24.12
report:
2.36.32
